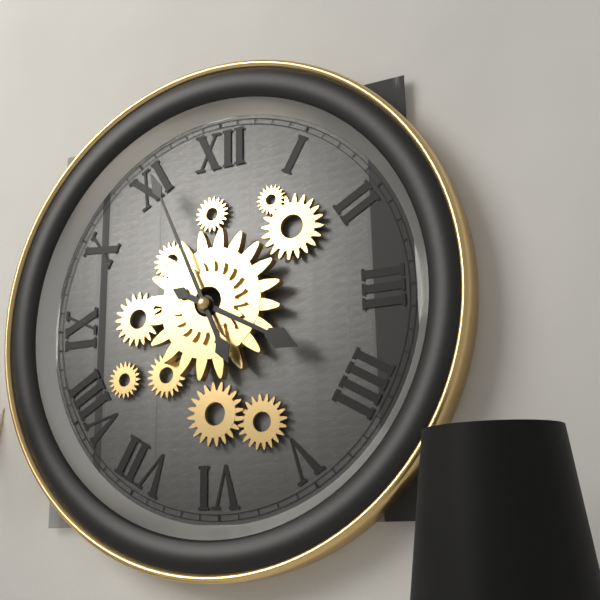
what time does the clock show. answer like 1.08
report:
3.56
